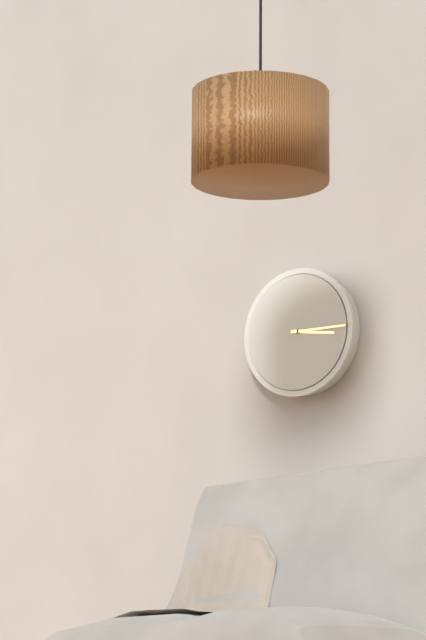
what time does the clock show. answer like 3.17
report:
3.15
